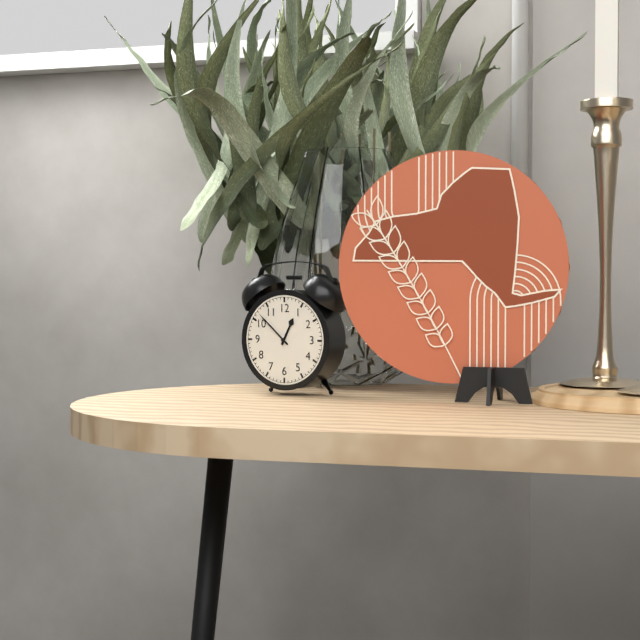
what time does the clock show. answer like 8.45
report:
12.52
